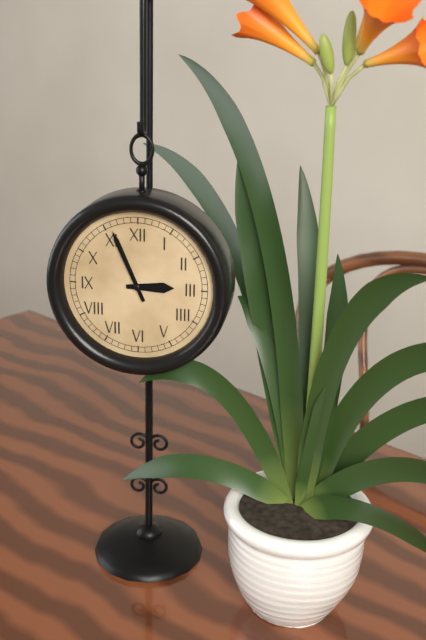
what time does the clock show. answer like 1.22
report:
2.56
